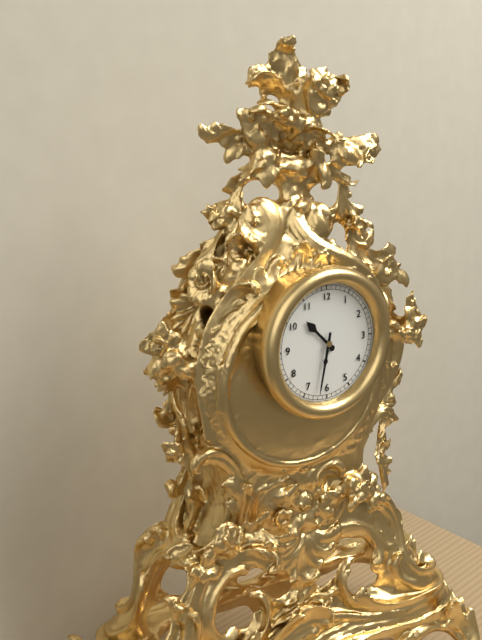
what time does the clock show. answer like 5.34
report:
10.32
